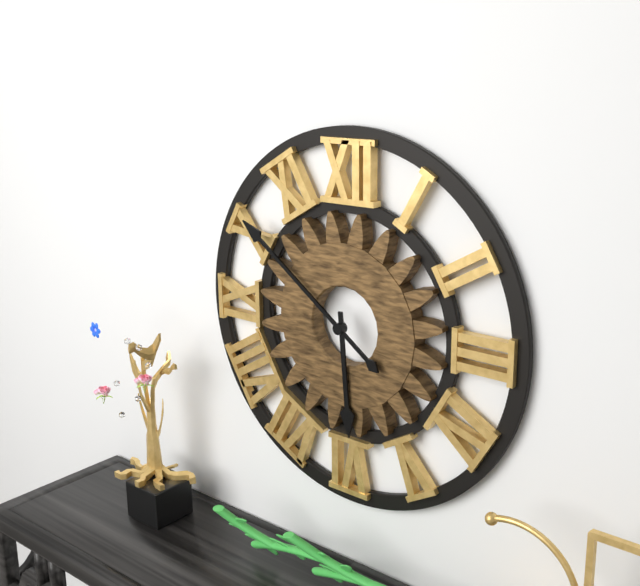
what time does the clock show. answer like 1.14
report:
5.51
